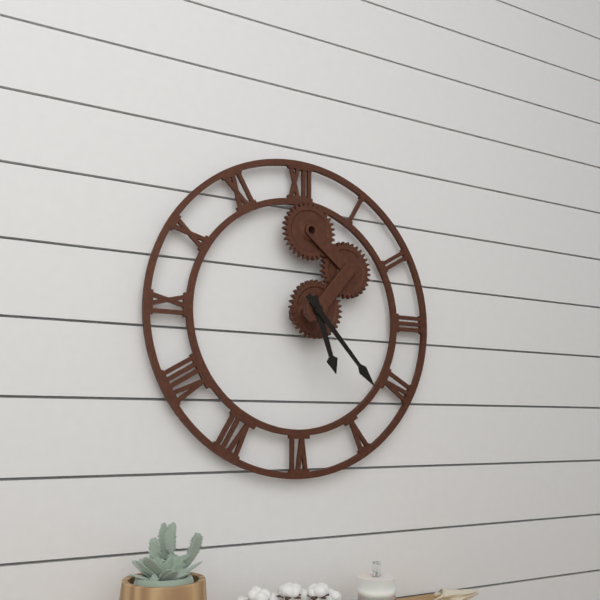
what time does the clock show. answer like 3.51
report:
5.23
